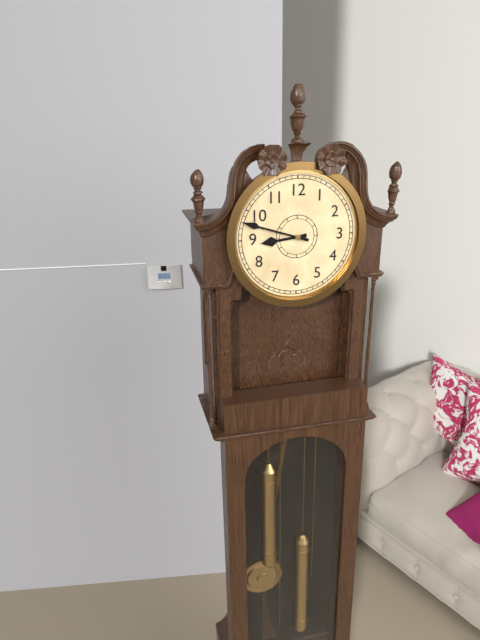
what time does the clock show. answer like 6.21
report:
8.48
